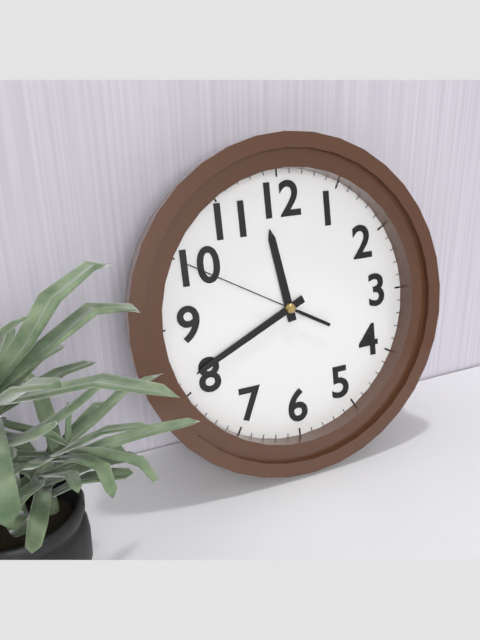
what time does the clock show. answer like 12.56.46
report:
11.41.50
